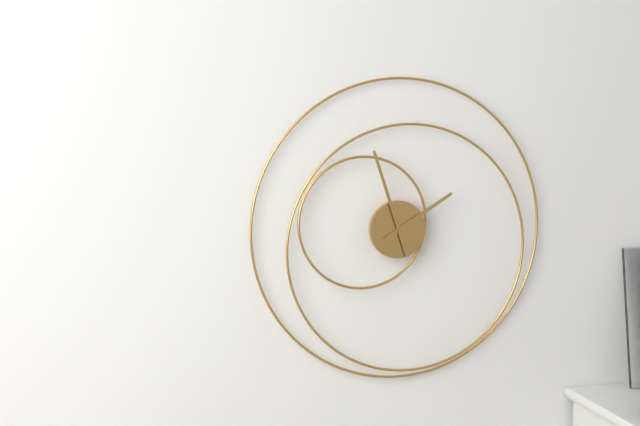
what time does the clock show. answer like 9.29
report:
1.57
